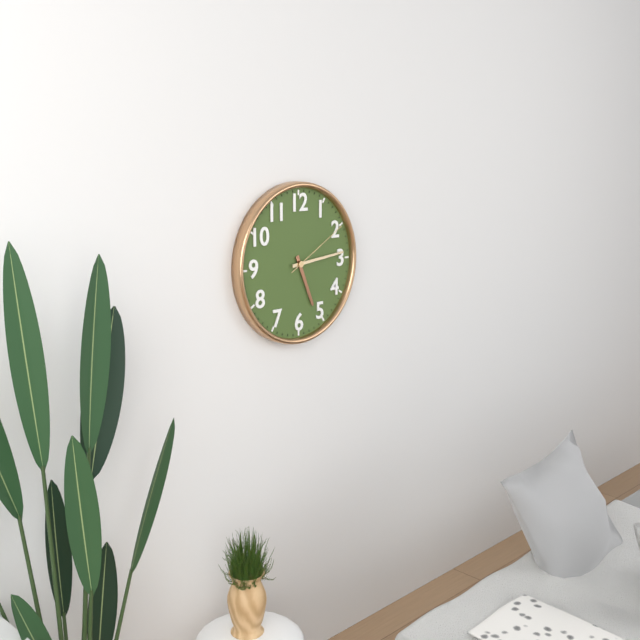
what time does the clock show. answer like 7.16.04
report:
5.14.10
